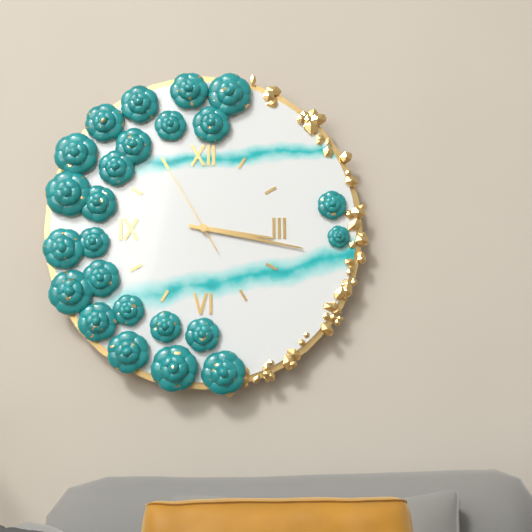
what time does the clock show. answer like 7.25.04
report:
3.17.55
